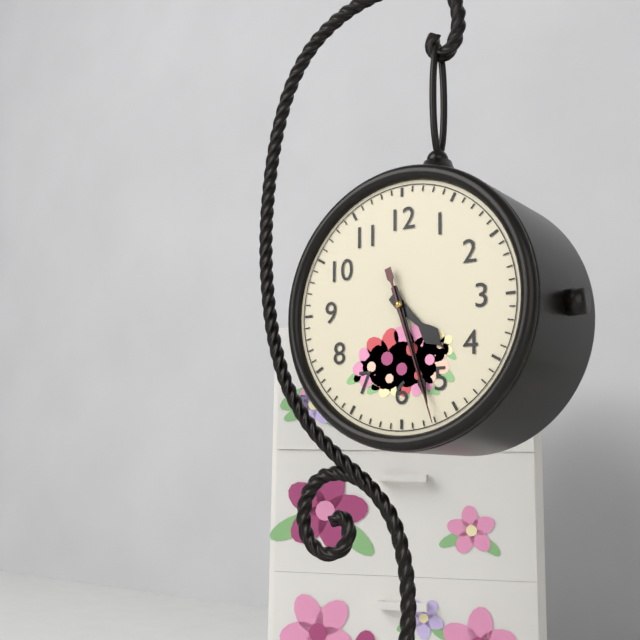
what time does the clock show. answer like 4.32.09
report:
4.27.27
